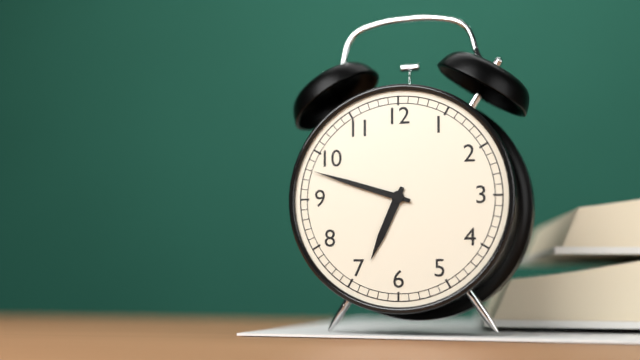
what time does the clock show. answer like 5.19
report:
6.48
